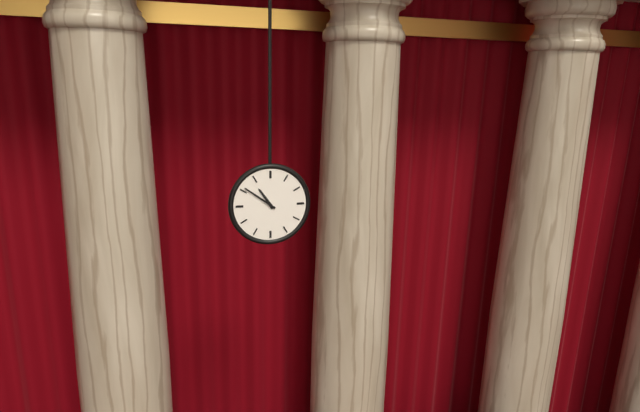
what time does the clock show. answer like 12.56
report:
10.51
